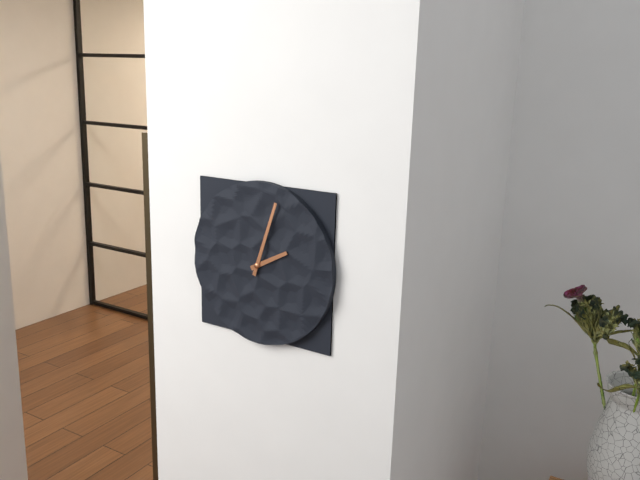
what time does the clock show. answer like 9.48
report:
2.03
